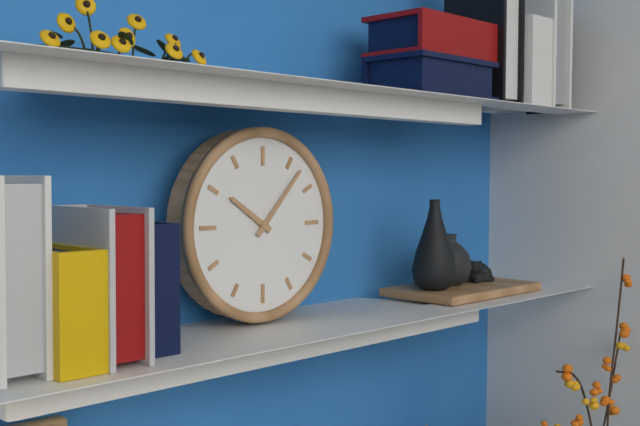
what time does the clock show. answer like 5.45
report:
10.07
